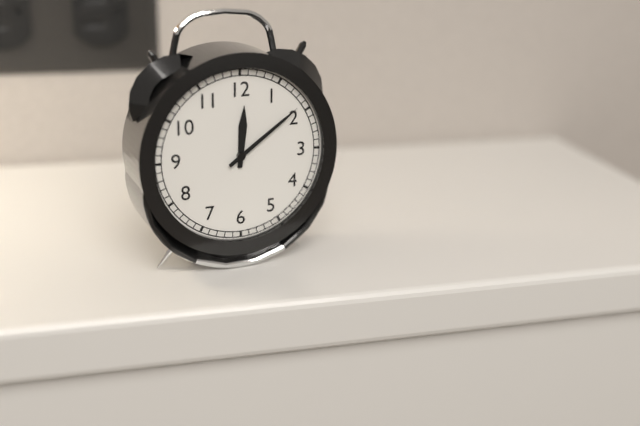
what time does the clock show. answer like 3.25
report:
12.09
